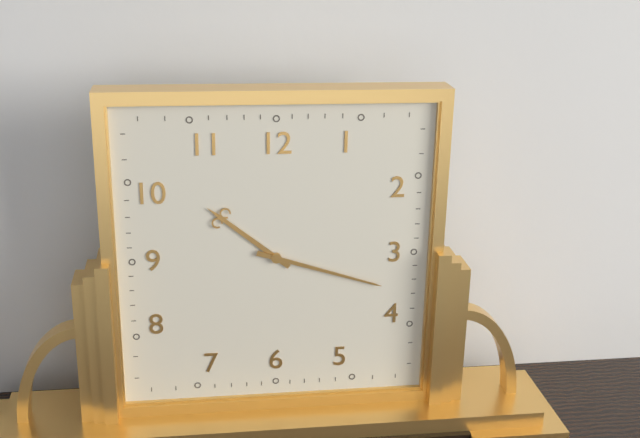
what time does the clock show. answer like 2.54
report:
10.18
